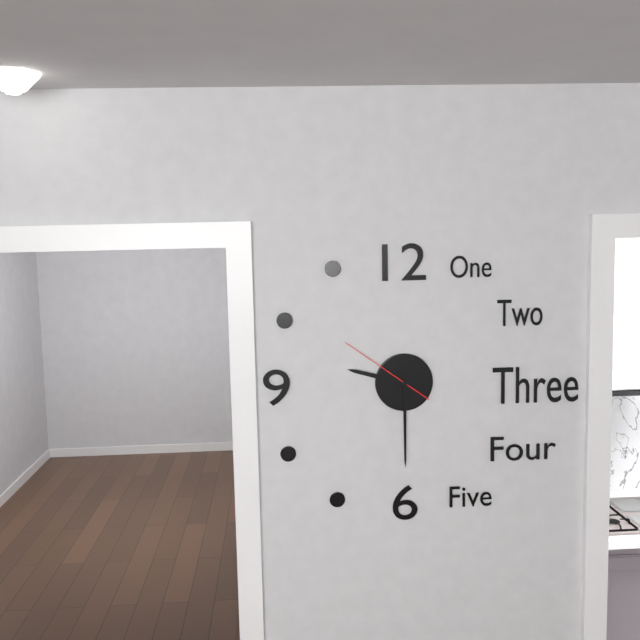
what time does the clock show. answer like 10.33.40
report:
9.30.51
